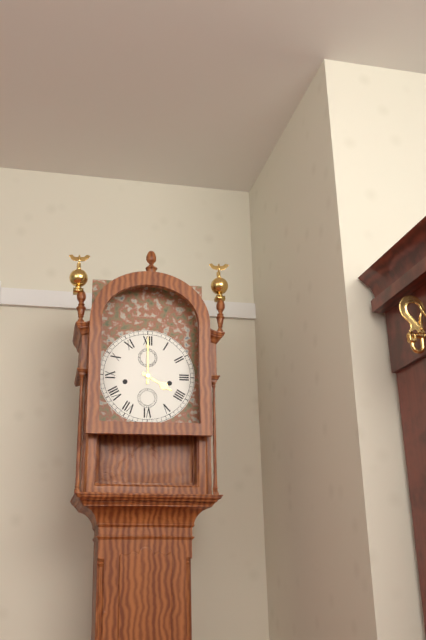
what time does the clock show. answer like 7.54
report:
4.00
